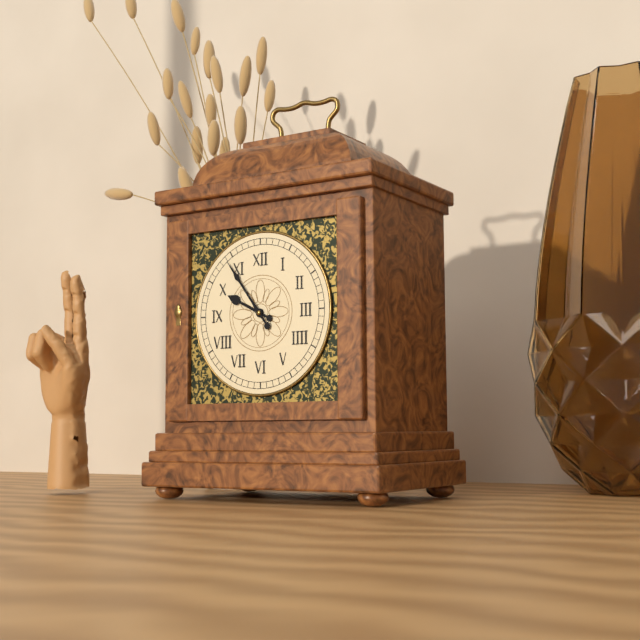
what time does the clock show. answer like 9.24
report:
9.54
